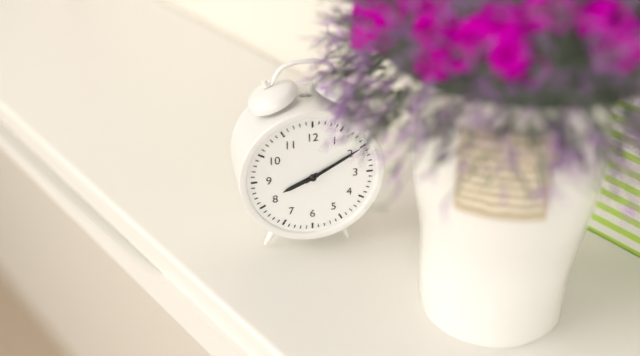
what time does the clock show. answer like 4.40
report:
8.10
